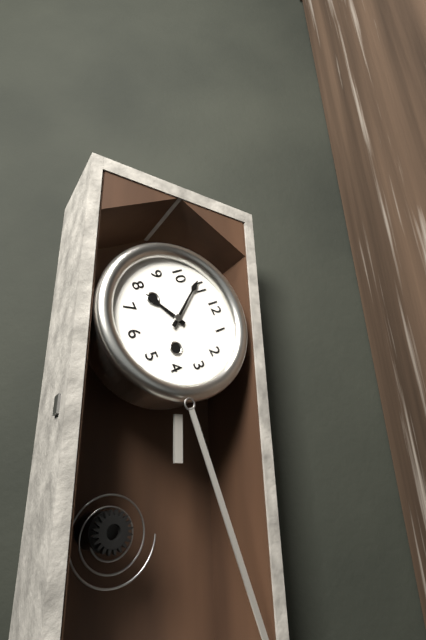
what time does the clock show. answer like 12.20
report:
7.54
